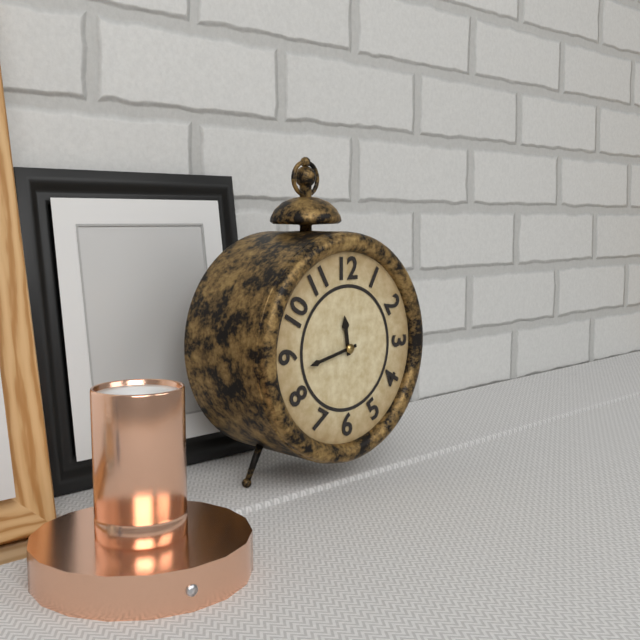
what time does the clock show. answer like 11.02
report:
11.43
